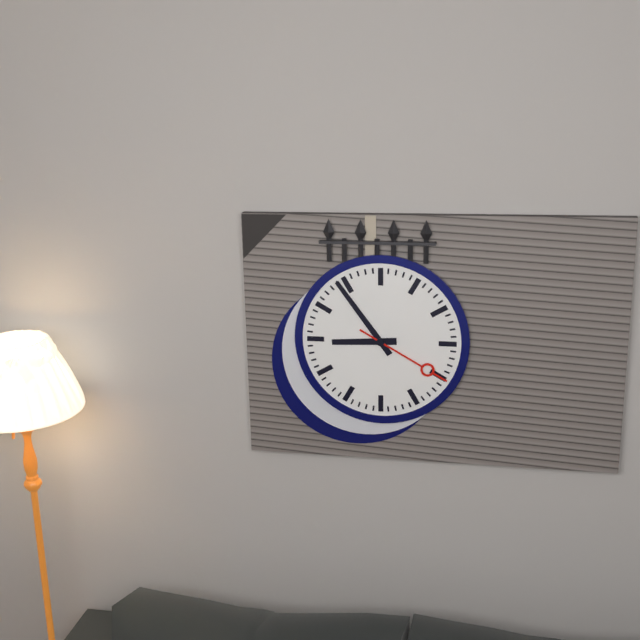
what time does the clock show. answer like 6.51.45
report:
8.54.20
